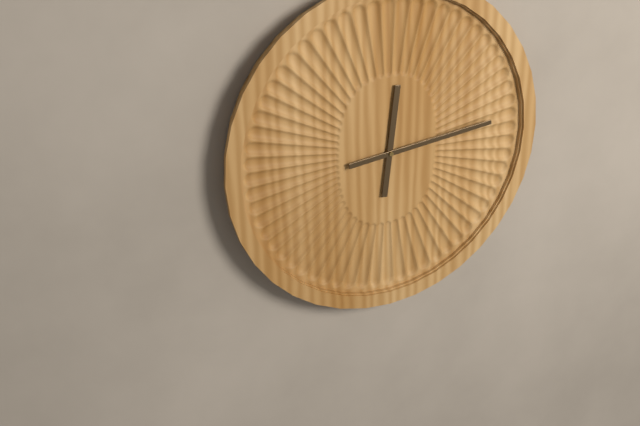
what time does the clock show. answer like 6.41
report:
12.14
